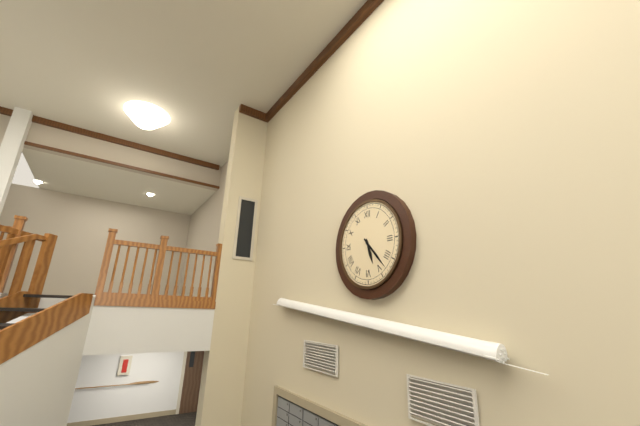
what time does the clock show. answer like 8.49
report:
5.23
